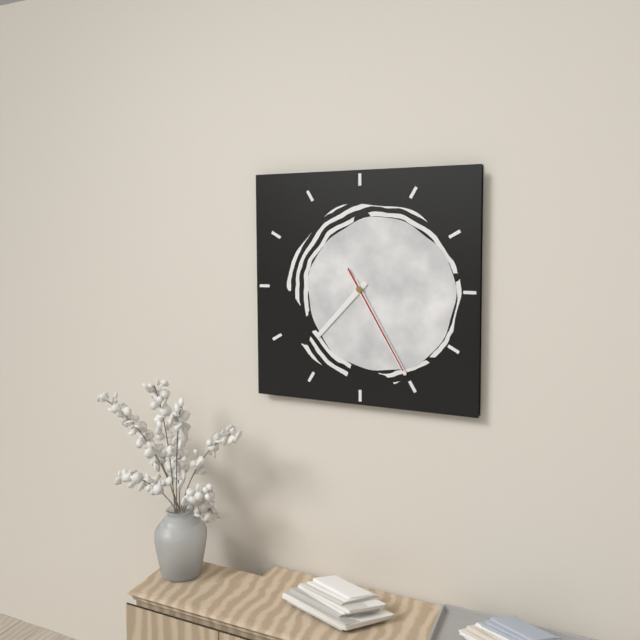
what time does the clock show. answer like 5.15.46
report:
7.25.25
